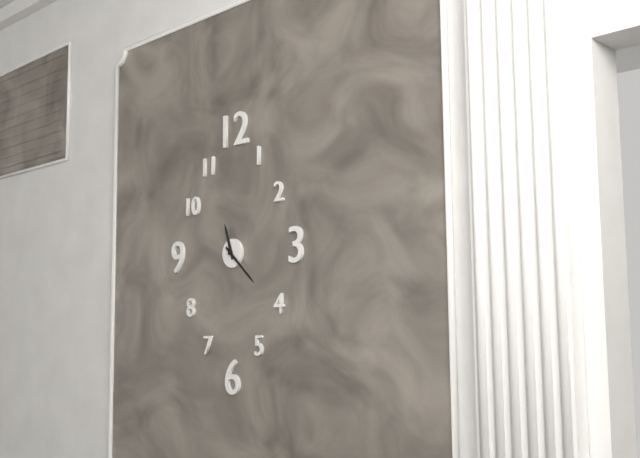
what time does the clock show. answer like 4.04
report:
11.22
